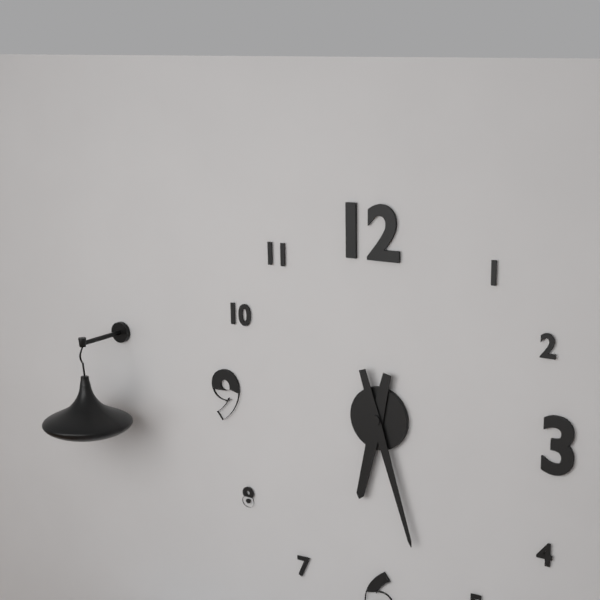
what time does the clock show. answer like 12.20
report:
6.27
